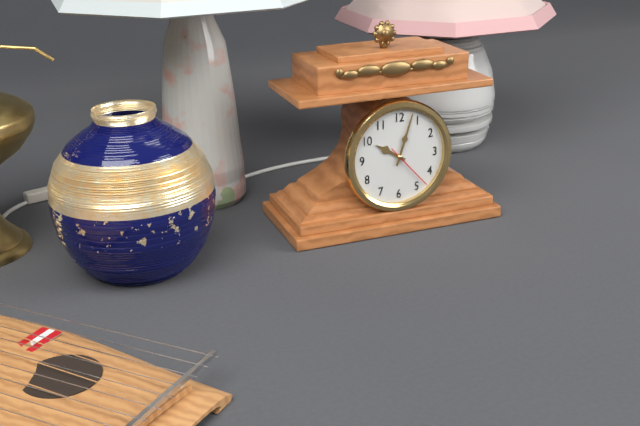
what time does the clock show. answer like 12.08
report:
10.03
